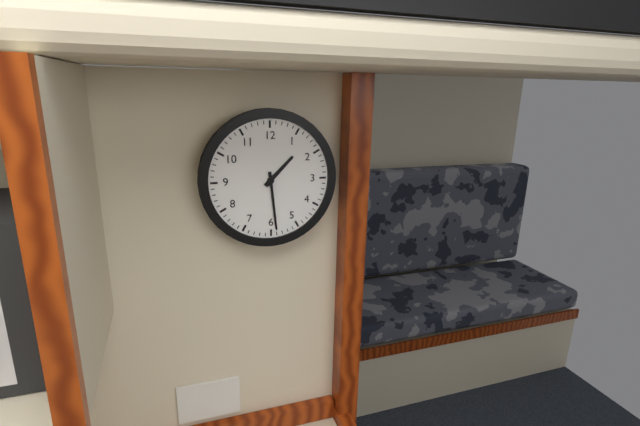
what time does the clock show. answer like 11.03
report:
1.29
